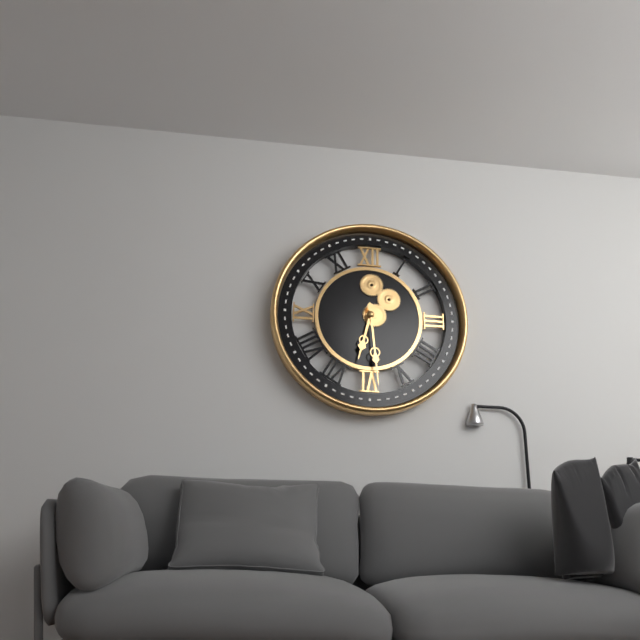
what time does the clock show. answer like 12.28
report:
6.29
